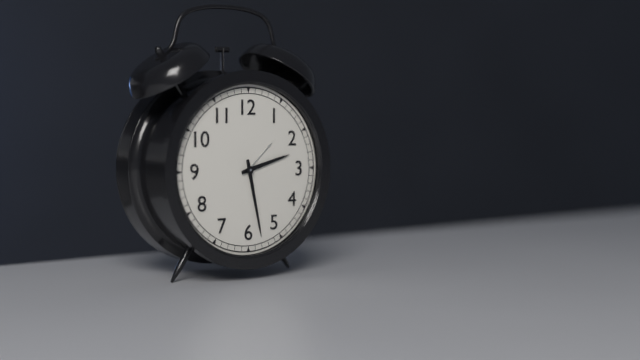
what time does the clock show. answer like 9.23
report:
2.28
